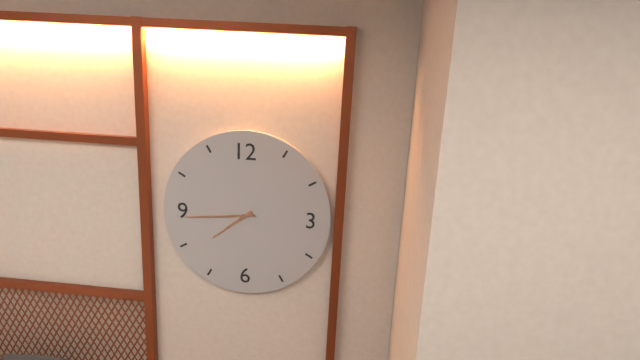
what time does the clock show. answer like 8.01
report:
7.44
